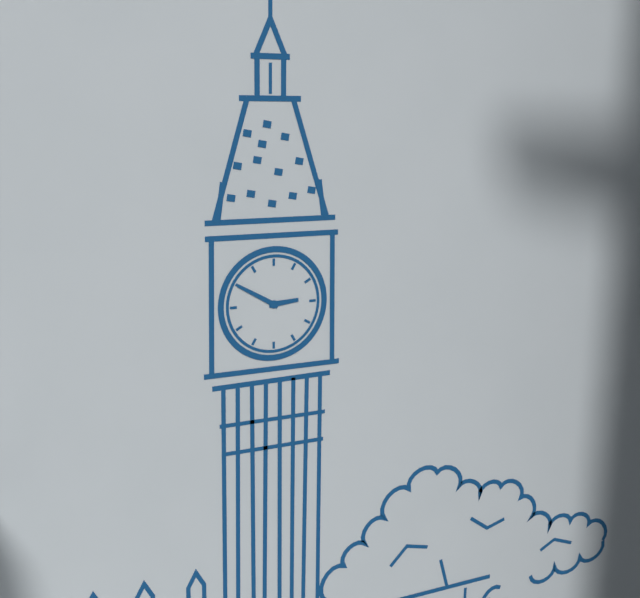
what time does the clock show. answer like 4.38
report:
2.50
